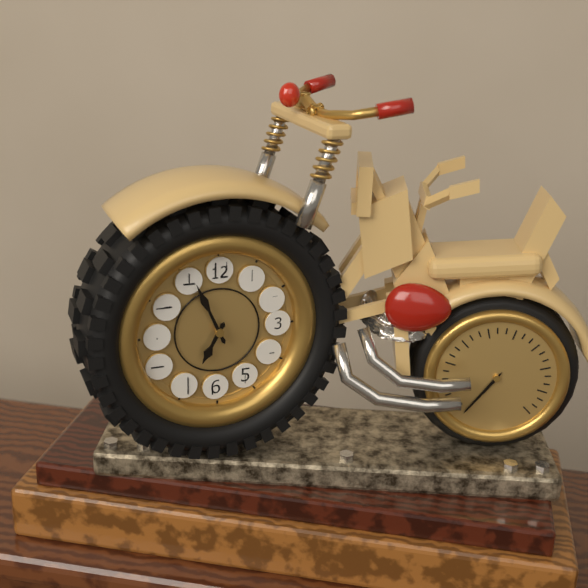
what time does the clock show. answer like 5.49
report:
6.56
